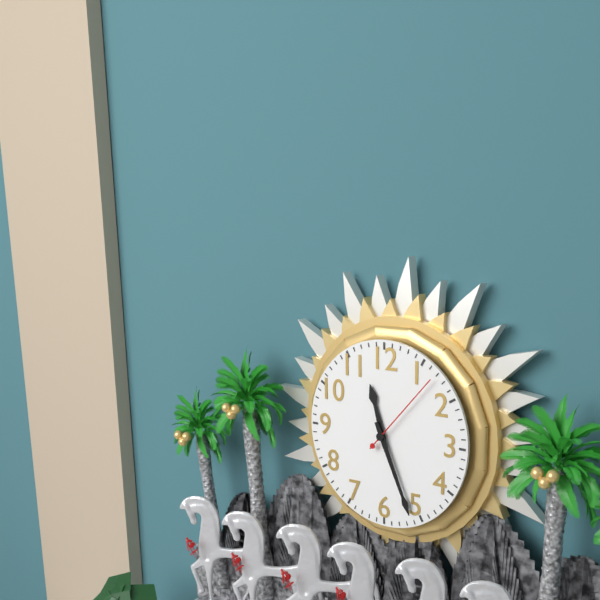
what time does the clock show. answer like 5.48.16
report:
11.26.07
